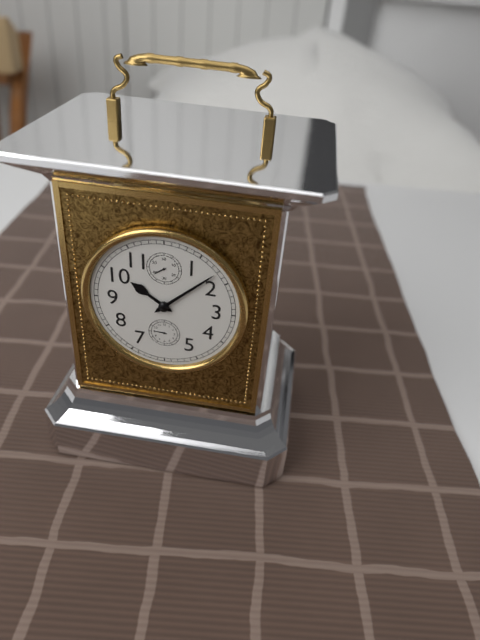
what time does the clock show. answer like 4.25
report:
10.08
